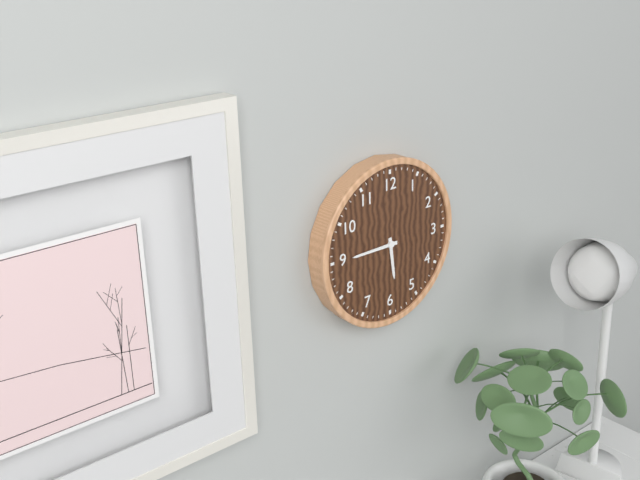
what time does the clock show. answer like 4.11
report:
5.45
